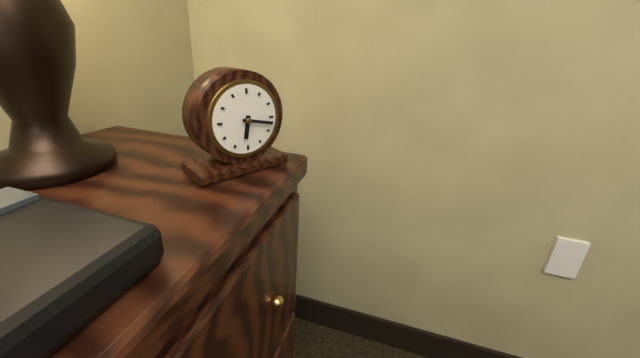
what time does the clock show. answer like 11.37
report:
6.17
